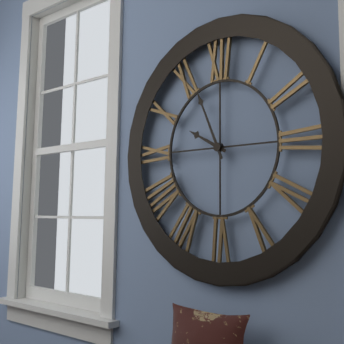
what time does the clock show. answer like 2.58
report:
9.56
